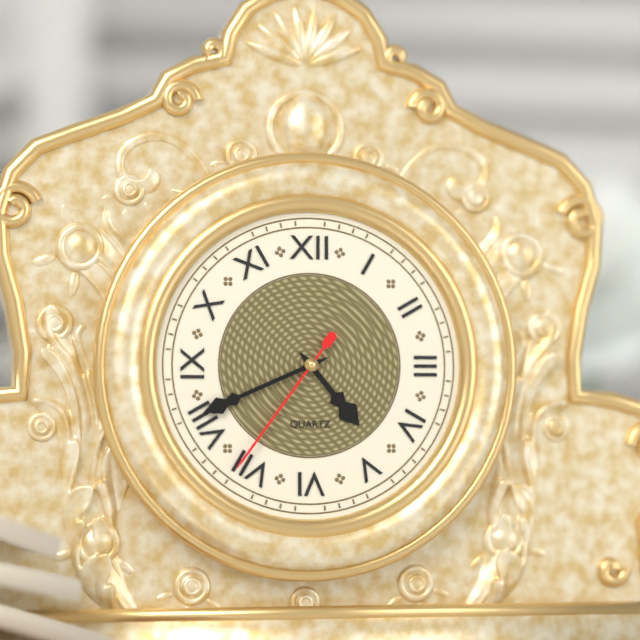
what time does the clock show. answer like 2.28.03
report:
4.41.36
